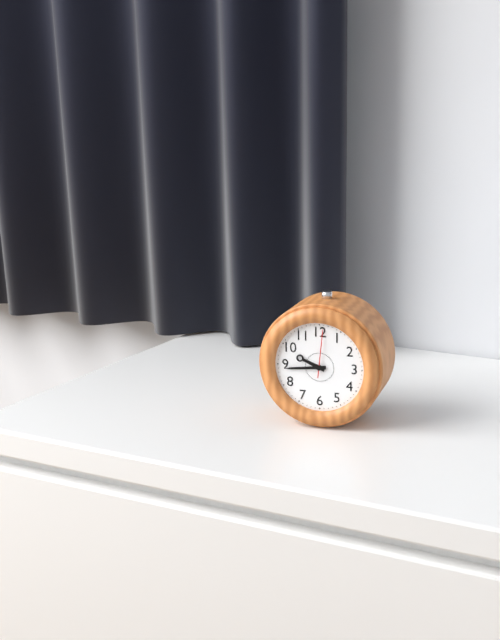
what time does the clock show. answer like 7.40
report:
9.44
